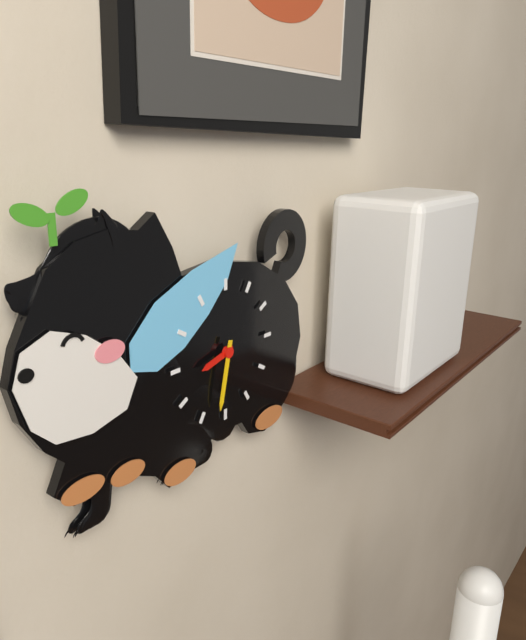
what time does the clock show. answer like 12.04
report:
8.32
